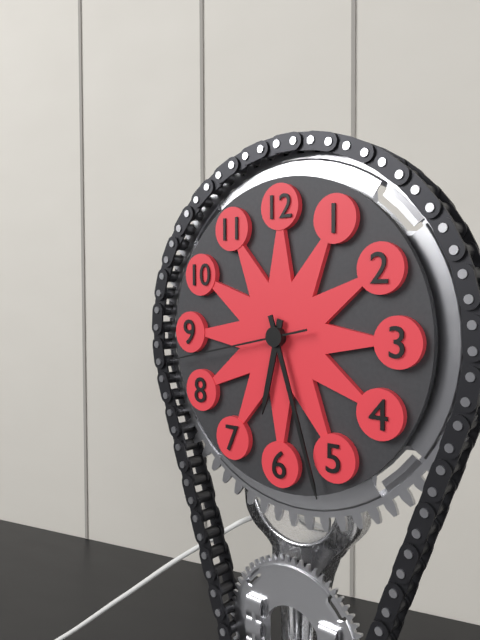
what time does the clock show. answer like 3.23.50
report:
6.27.43
